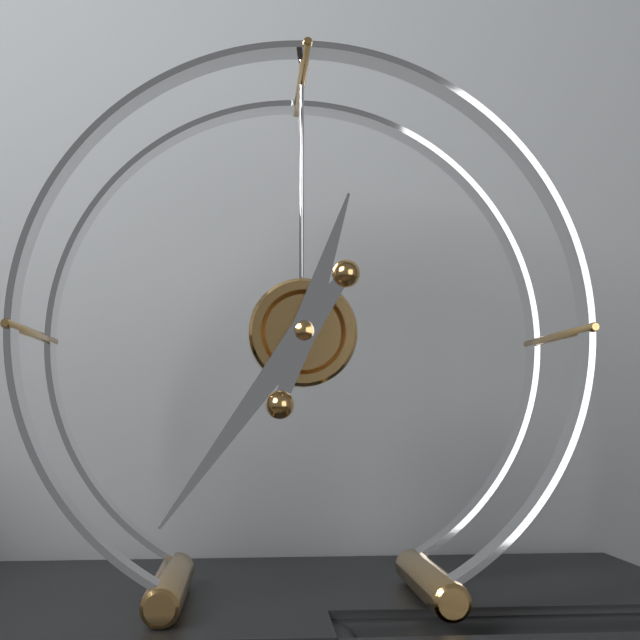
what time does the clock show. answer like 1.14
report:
12.36
